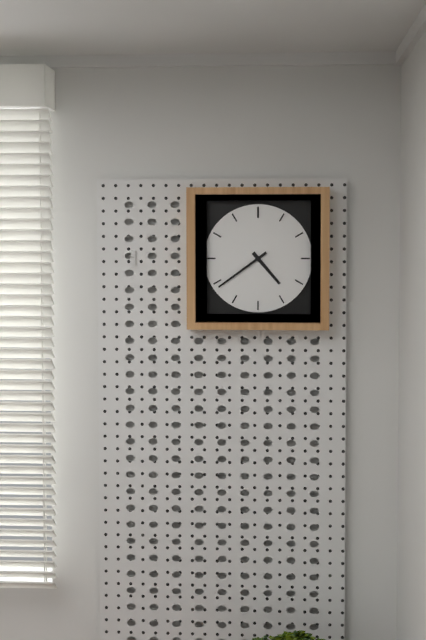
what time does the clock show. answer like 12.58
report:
4.39
